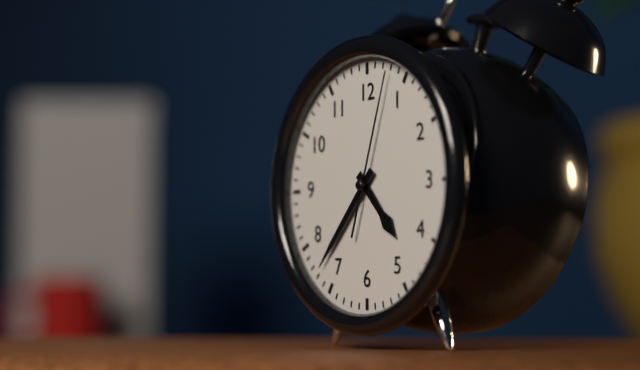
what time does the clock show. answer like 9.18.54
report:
4.37.03
